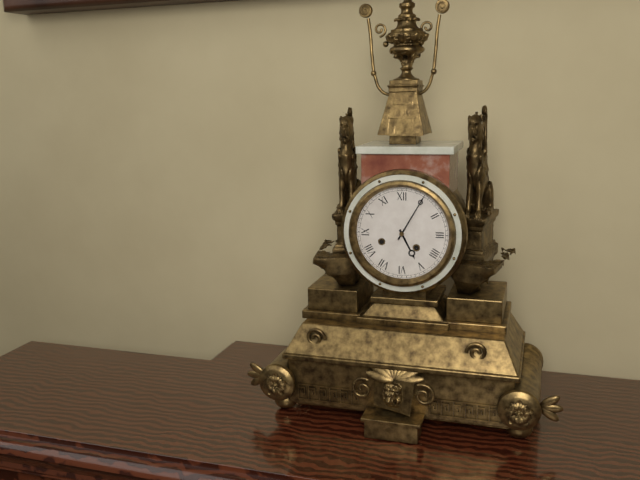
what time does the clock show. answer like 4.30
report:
5.05
